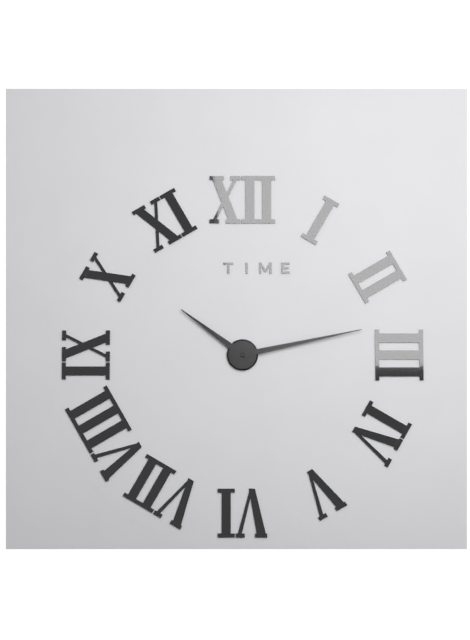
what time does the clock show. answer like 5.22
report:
10.13
